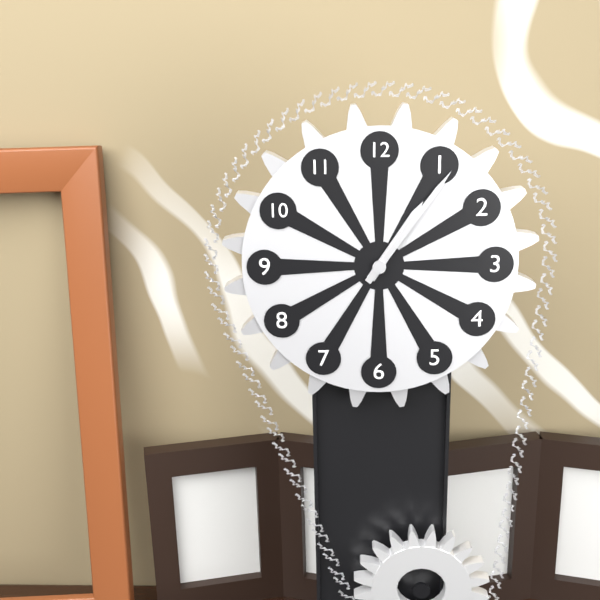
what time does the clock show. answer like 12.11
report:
1.06
